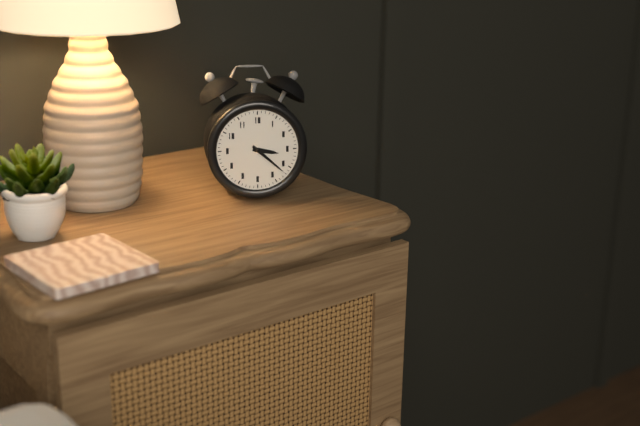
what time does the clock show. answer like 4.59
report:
3.22
